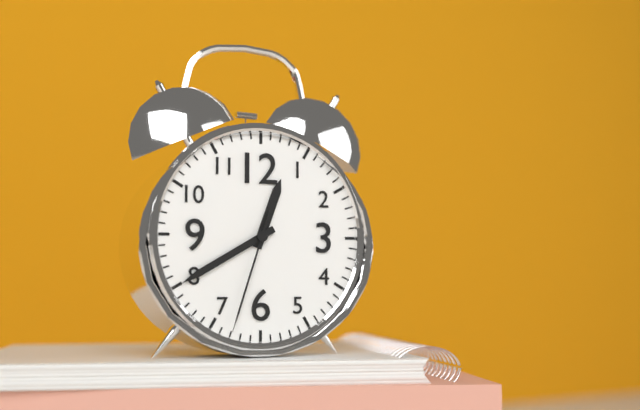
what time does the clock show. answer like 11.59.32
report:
12.40.33
